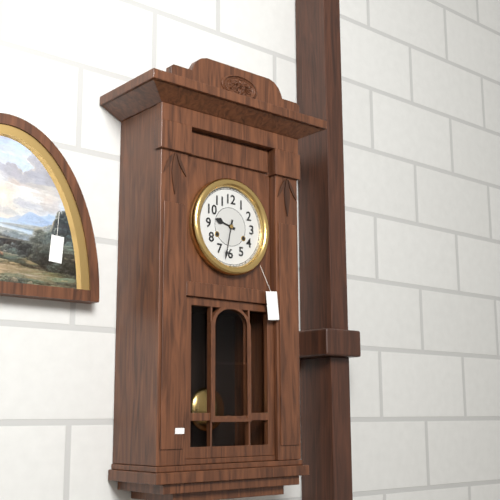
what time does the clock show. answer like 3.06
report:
9.32
